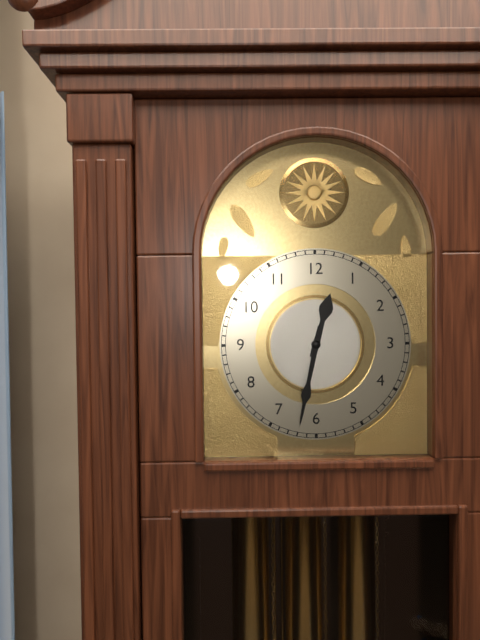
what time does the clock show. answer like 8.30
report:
12.32
